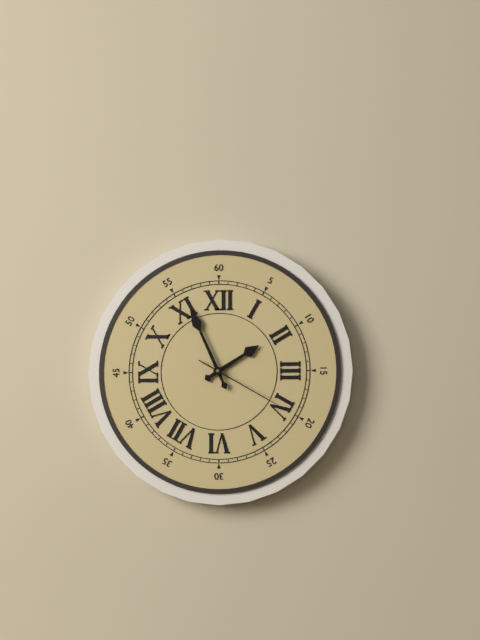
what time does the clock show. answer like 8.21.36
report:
1.56.20
